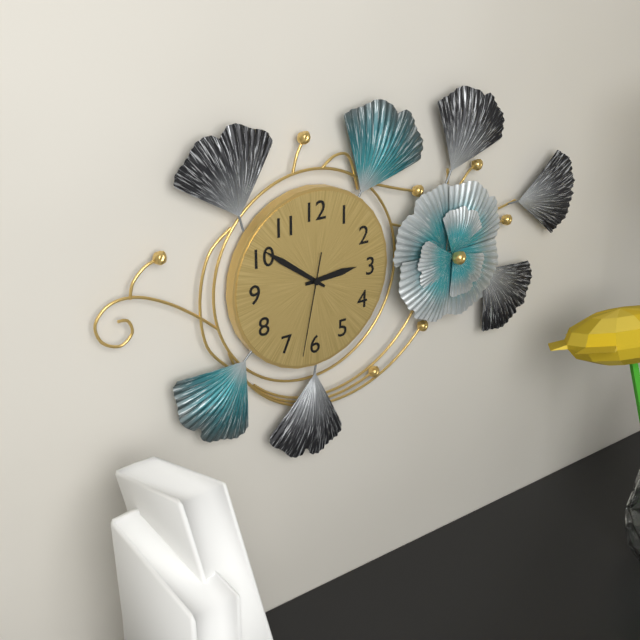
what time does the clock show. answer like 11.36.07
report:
2.51.32
